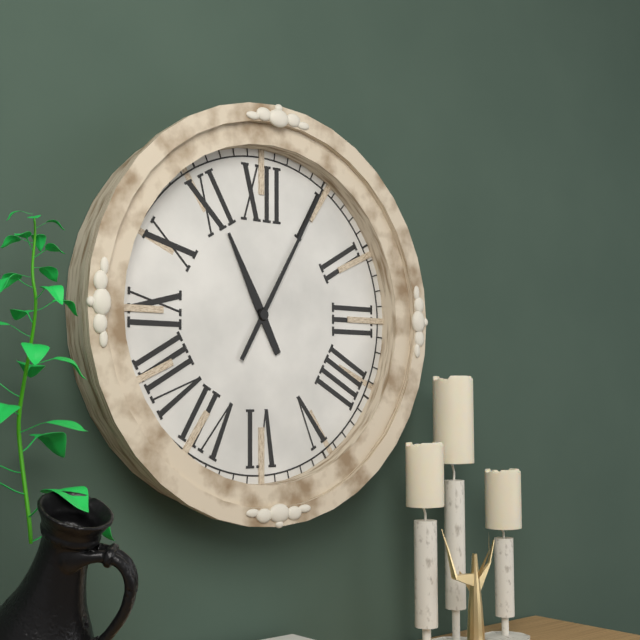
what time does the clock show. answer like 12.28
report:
11.05
